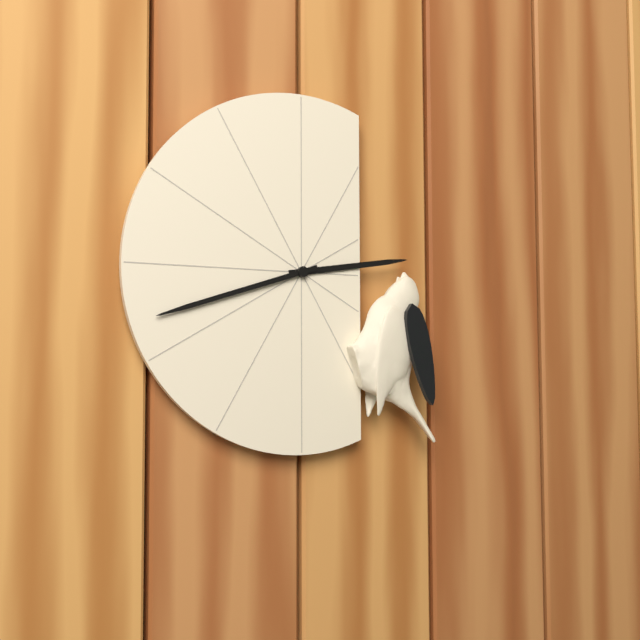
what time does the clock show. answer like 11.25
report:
2.42
